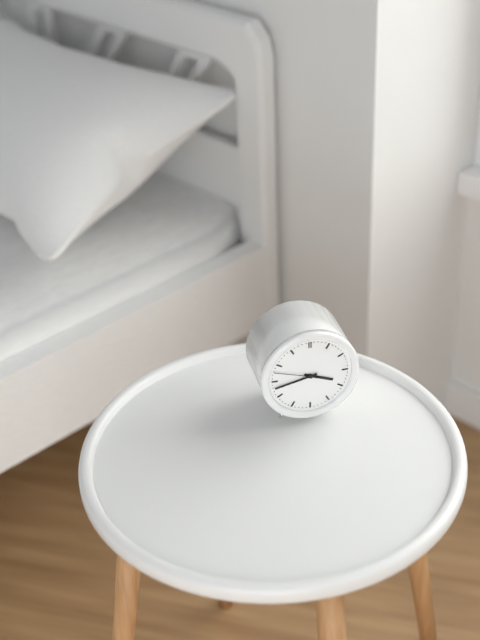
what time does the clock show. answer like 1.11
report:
3.43
